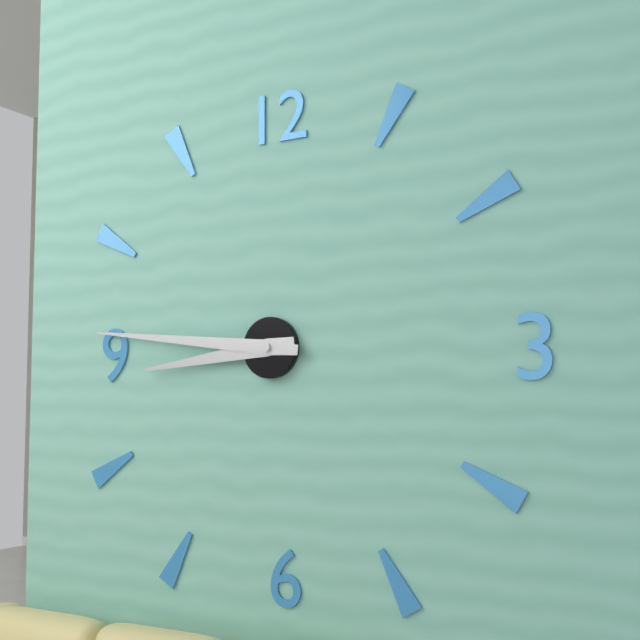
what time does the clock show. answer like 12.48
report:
8.46
